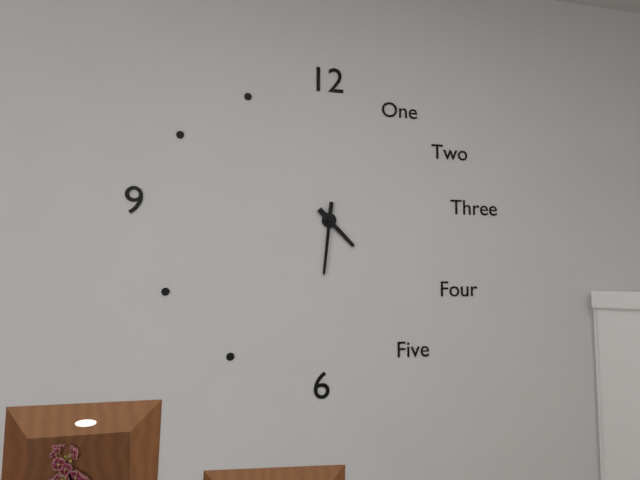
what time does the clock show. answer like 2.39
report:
4.31
